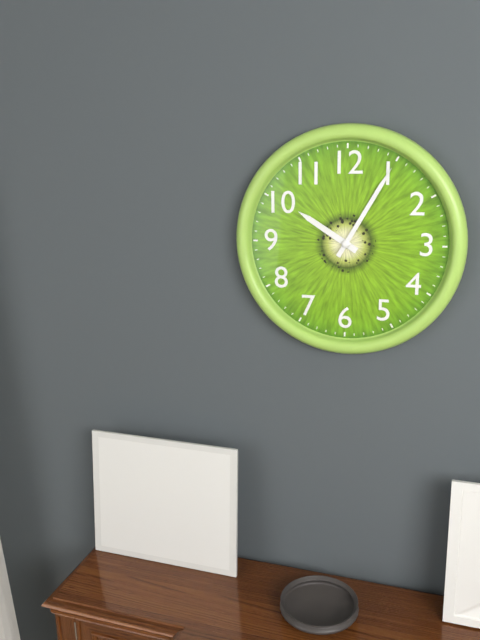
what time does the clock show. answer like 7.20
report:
10.05
